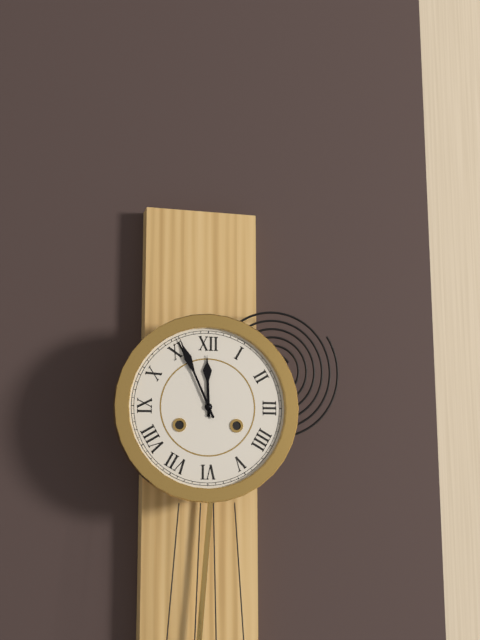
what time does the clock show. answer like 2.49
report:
11.56
